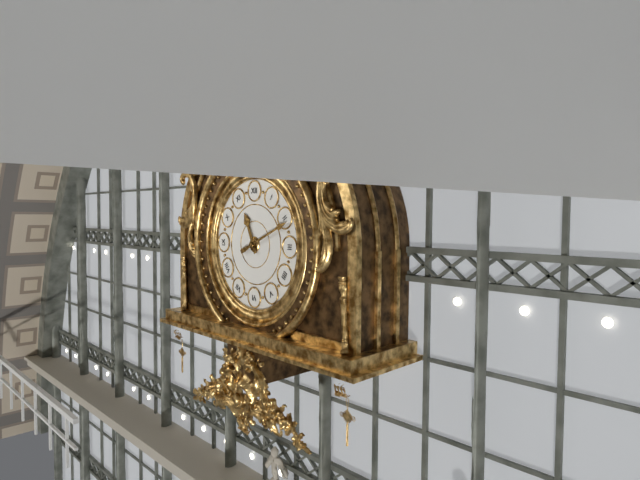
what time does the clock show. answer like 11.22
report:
11.11
